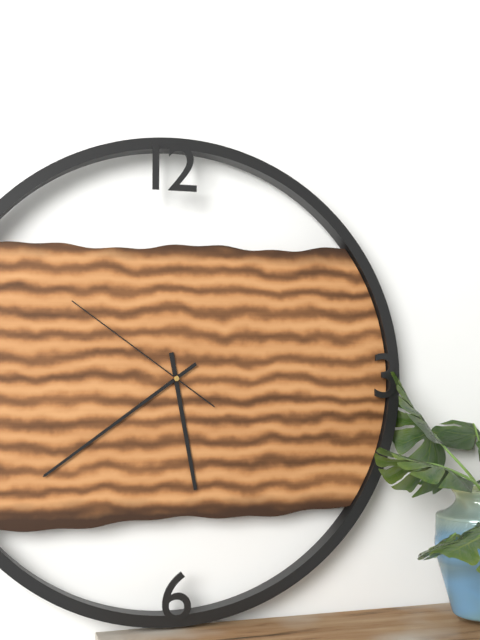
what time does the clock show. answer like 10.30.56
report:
5.39.51
